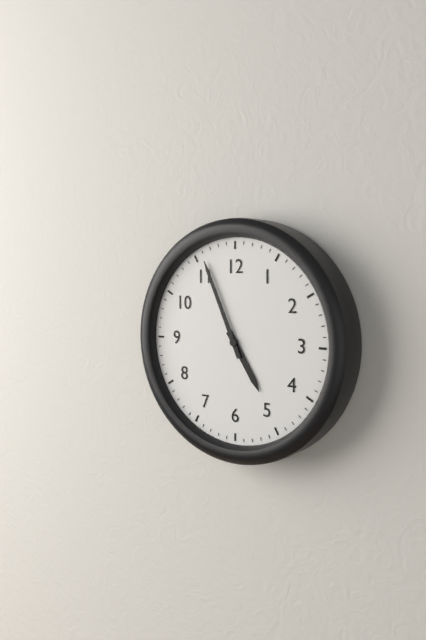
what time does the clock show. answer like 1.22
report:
4.56
